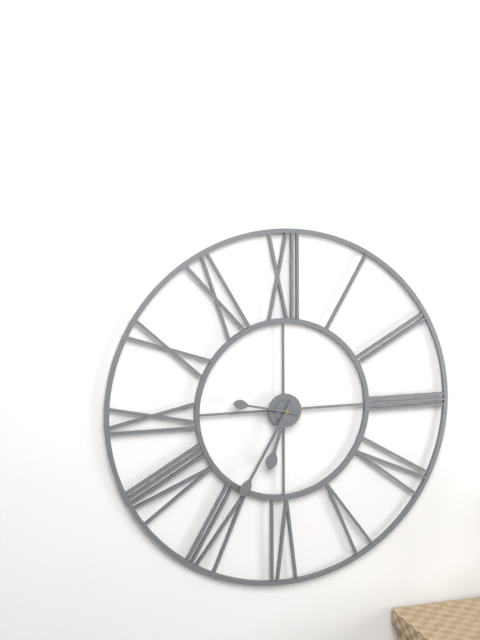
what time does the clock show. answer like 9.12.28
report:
6.35.47
